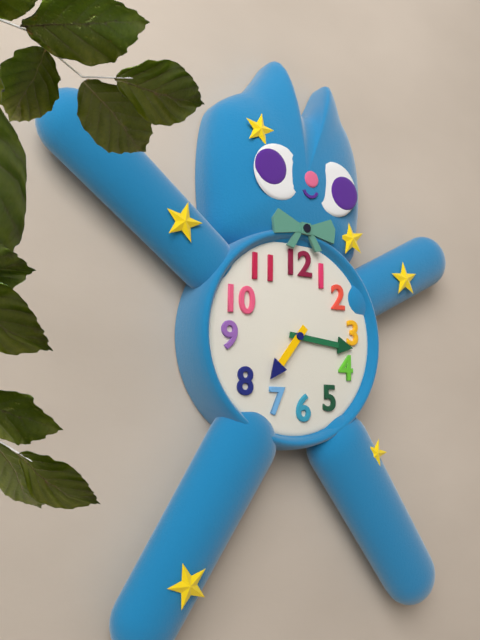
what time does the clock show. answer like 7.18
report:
7.16
